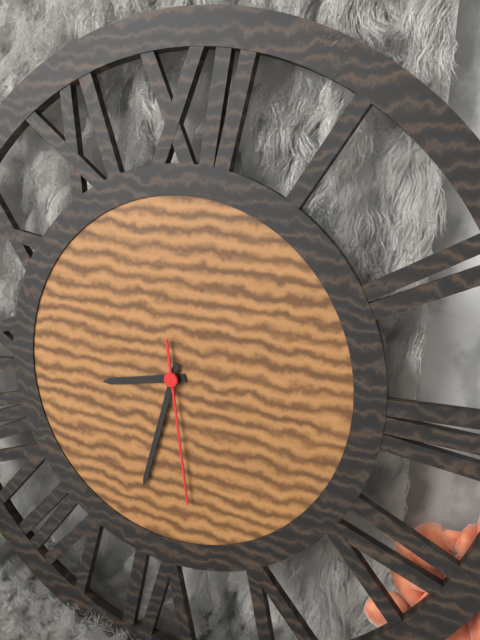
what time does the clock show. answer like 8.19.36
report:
8.32.28
